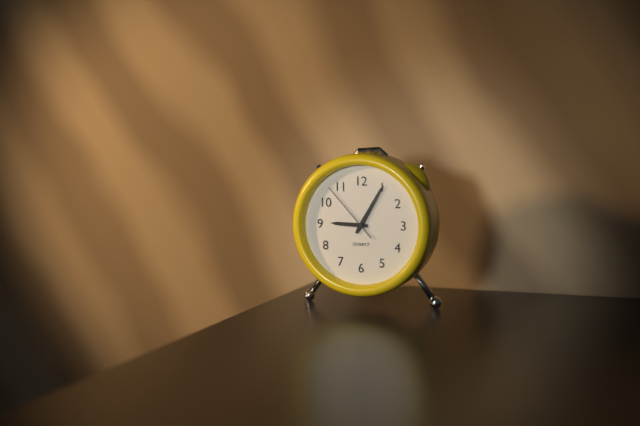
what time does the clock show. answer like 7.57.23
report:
9.05.53
